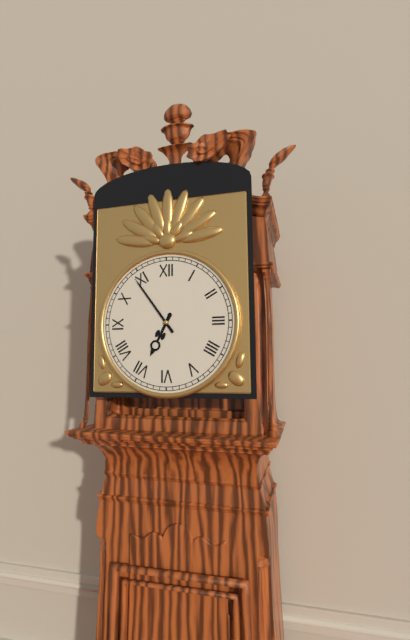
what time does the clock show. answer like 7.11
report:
6.54
